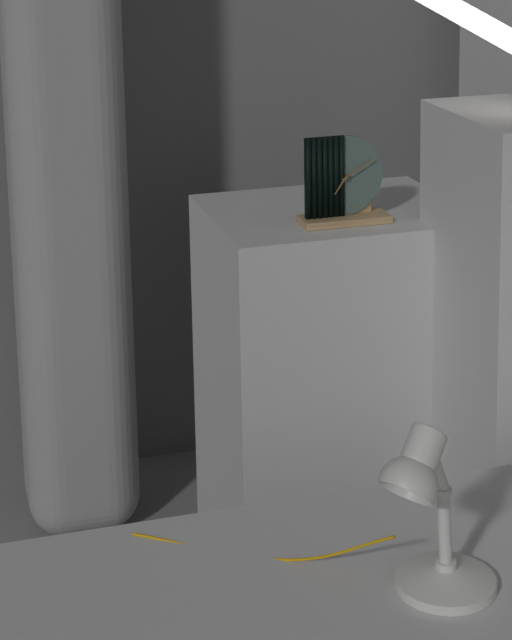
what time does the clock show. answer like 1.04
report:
7.10
